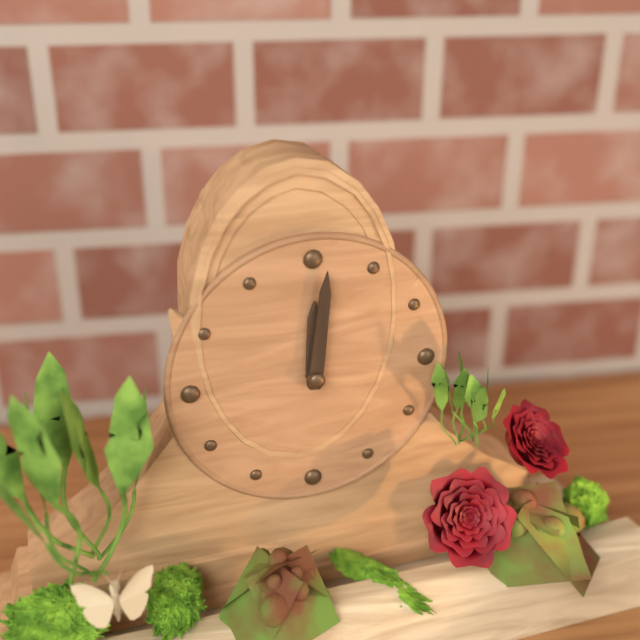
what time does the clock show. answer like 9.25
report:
12.01
